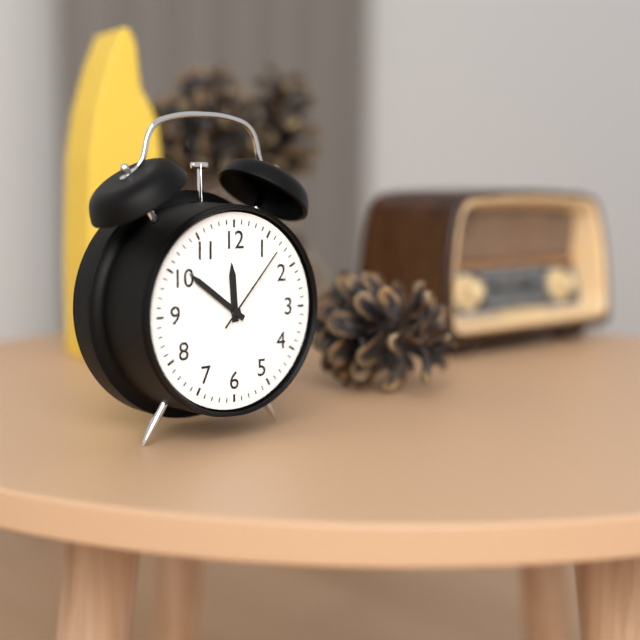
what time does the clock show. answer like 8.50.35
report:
11.51.07
